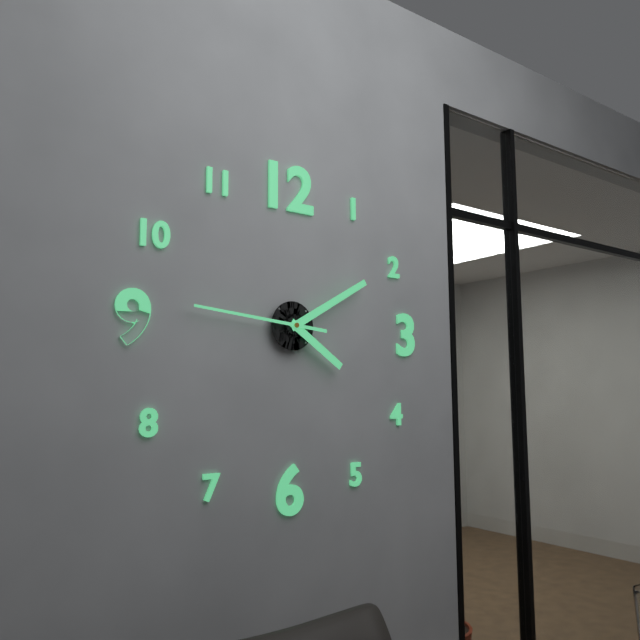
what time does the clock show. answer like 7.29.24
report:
4.10.46
